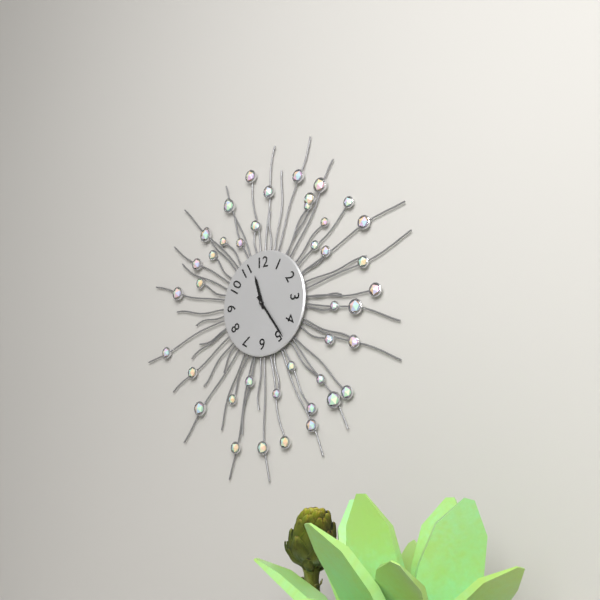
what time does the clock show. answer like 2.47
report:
11.24
